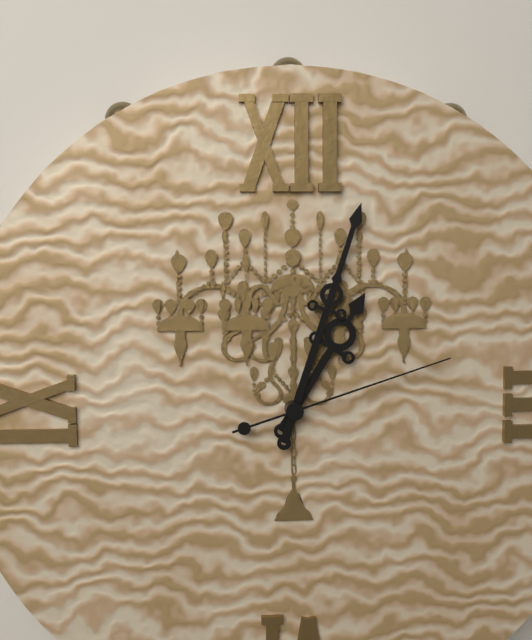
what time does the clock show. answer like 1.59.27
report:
1.03.12
